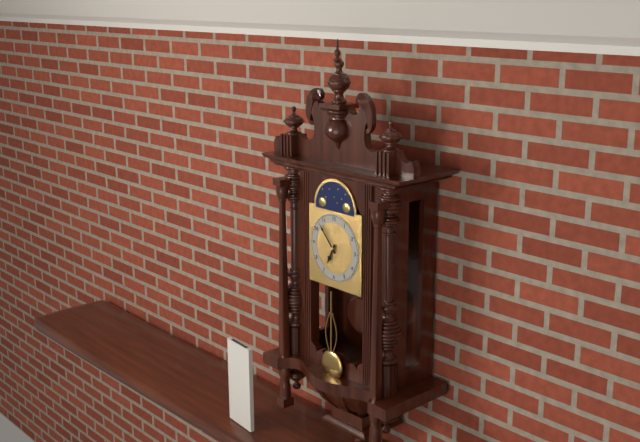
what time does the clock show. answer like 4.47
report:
6.53
